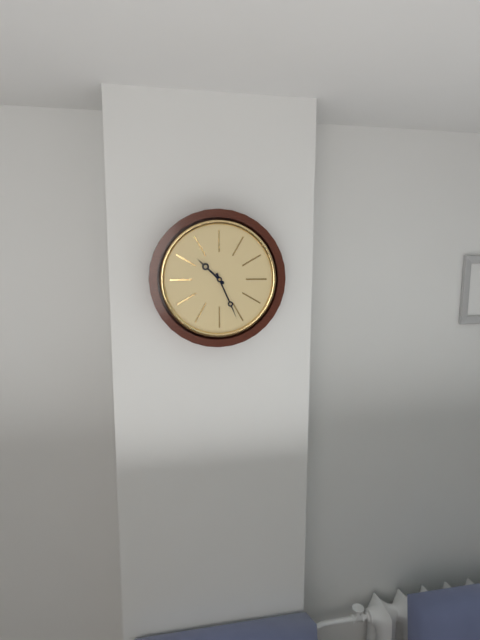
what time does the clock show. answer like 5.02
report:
10.26
